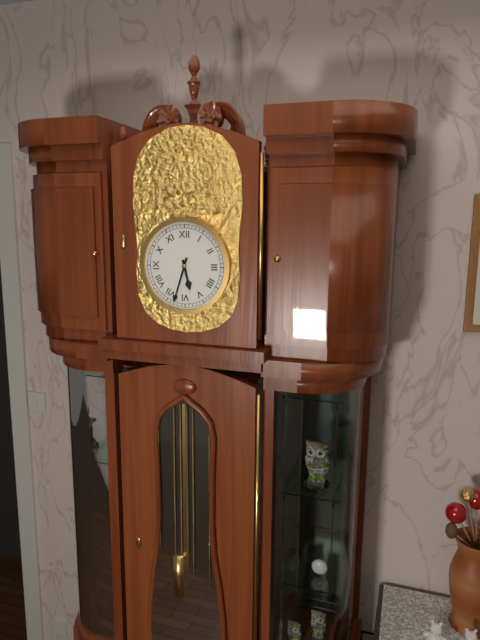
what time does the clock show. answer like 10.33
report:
5.33
